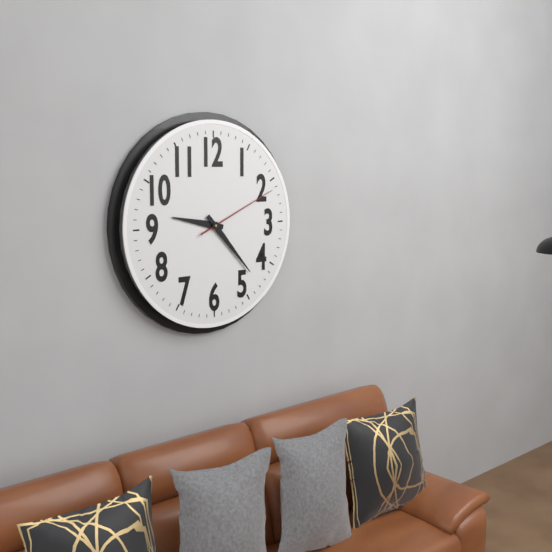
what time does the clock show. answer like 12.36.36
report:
9.23.11
